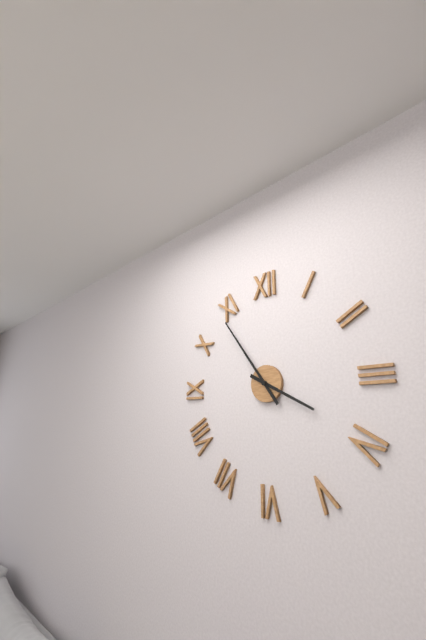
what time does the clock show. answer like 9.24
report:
3.54
